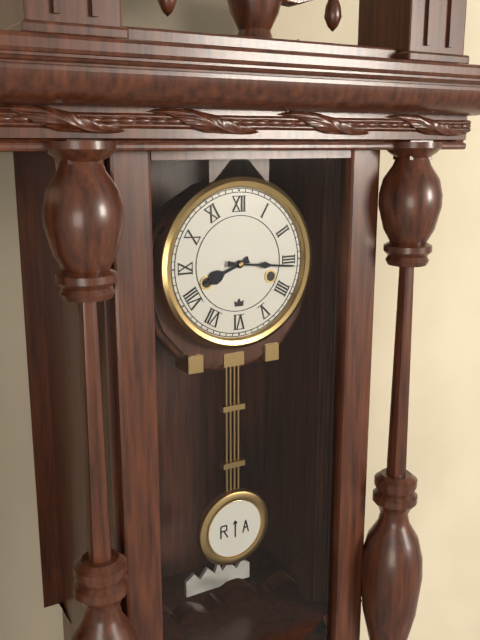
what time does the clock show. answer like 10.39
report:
8.16
